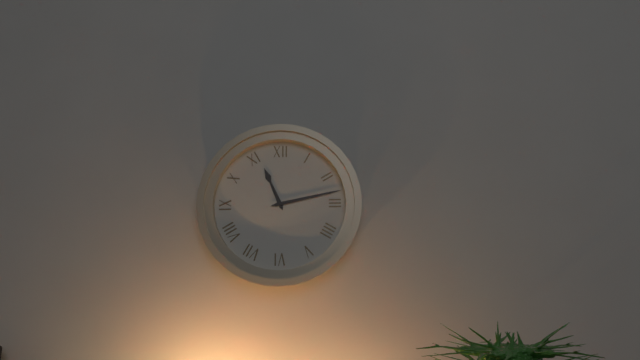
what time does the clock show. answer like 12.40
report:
11.13
